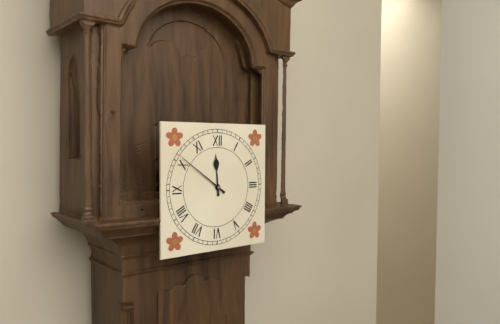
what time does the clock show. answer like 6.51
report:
11.51
